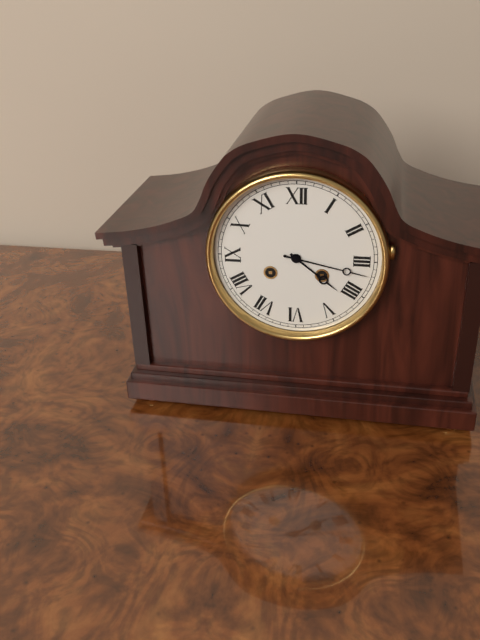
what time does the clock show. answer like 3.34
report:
4.17
